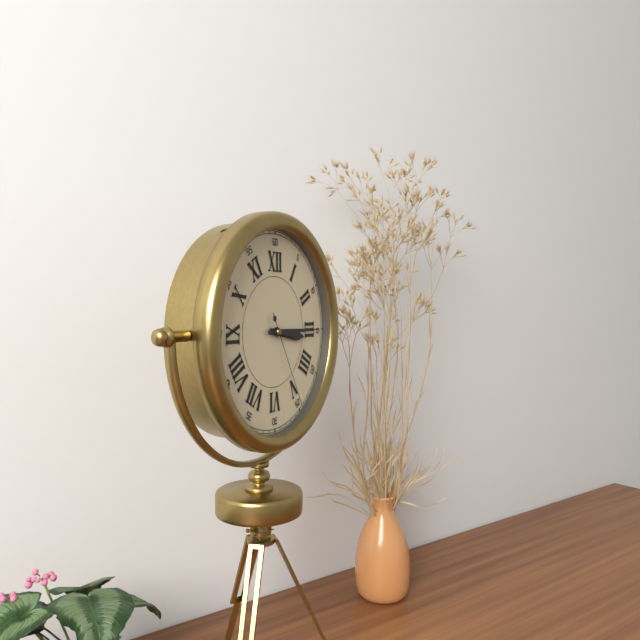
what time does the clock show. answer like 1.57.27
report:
3.15.25
